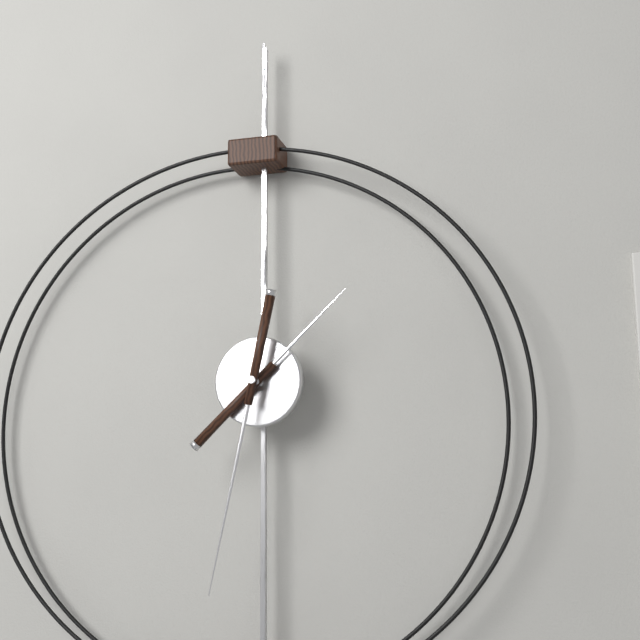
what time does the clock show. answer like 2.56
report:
1.32
